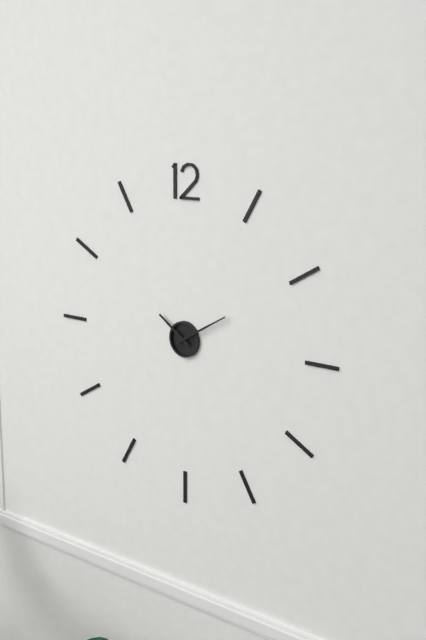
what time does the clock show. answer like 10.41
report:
10.10
